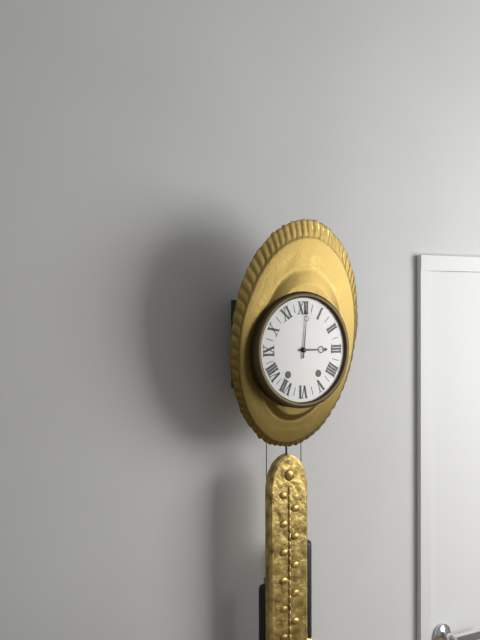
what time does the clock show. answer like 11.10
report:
3.01
